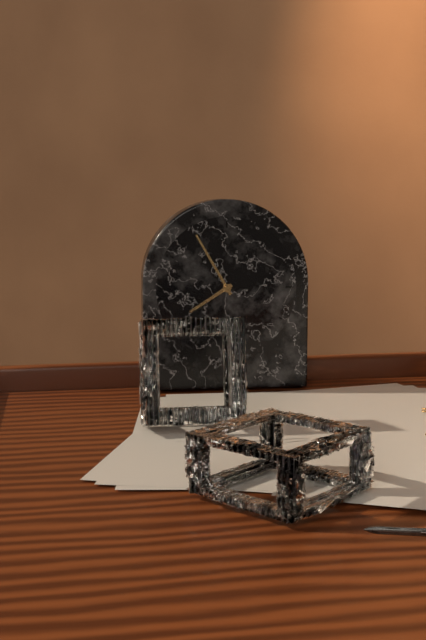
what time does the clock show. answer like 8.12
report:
7.55
